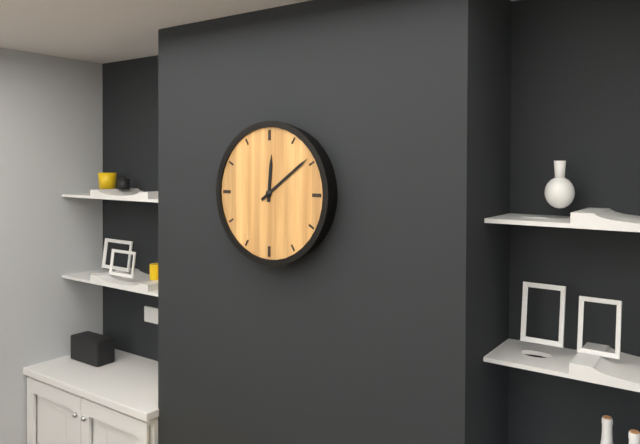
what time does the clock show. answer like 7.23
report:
12.09
